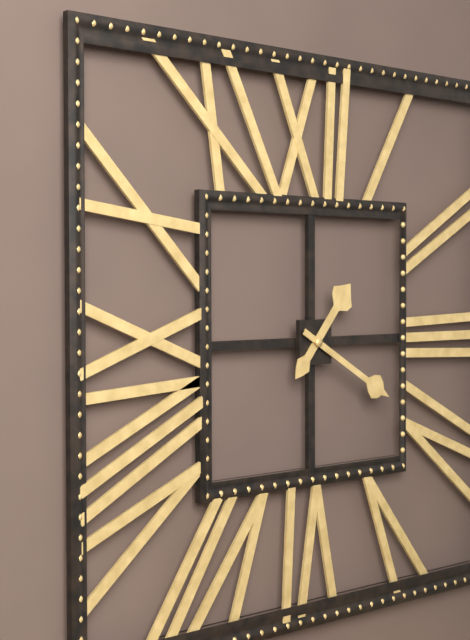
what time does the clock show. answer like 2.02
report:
1.20
